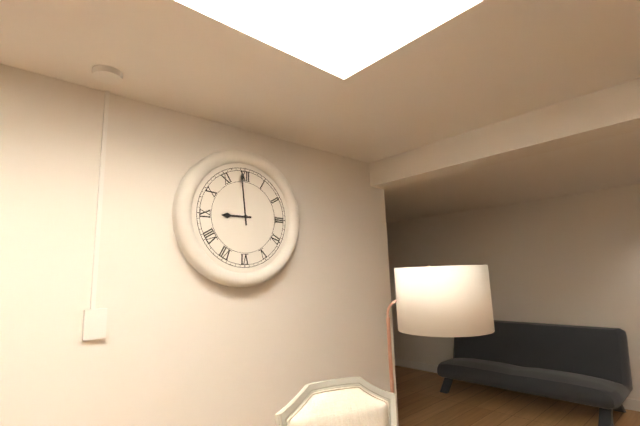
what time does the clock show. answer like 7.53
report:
8.59
